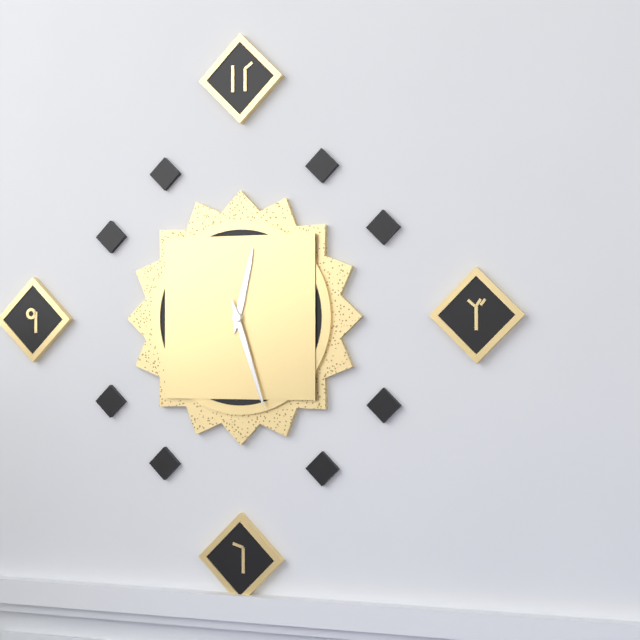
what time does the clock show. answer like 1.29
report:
12.27
